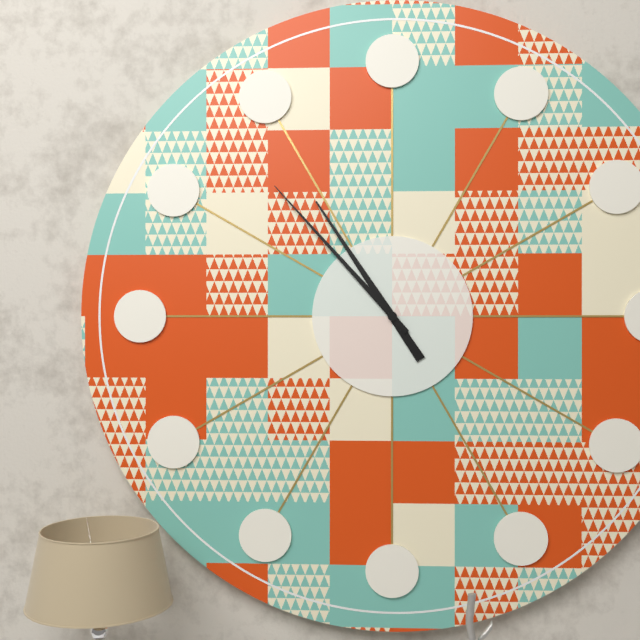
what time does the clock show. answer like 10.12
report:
10.53
